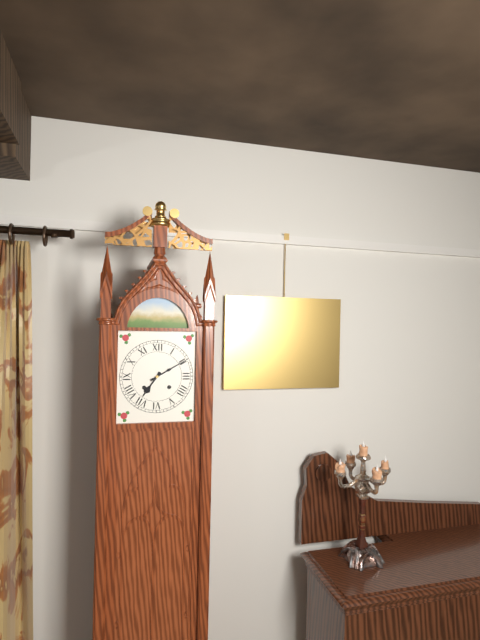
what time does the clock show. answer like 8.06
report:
7.10
